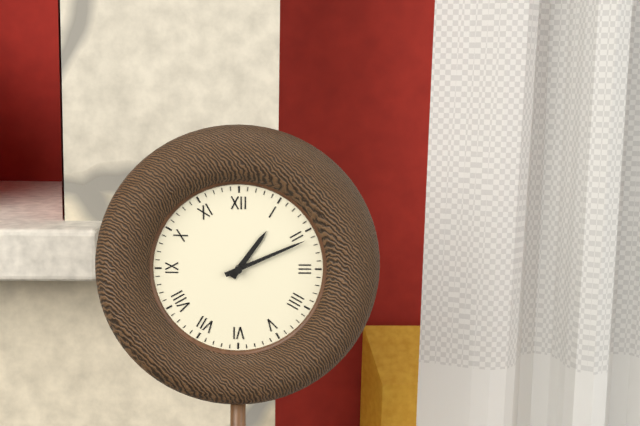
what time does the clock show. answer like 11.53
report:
1.11
